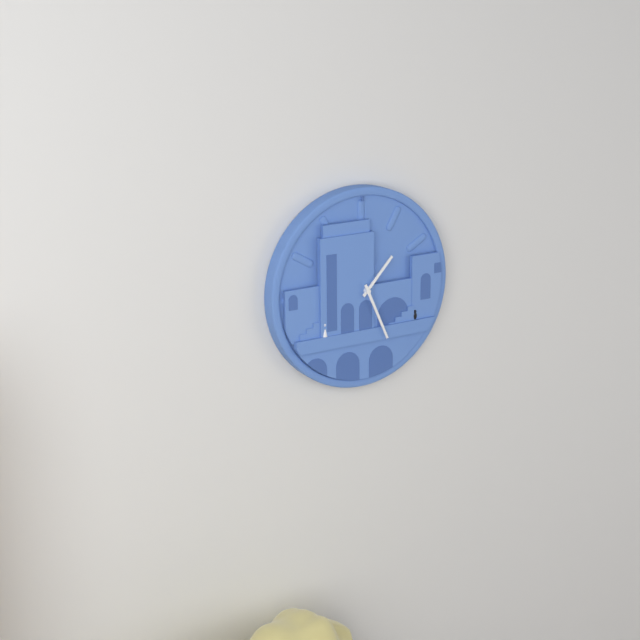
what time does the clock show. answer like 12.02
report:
1.26
